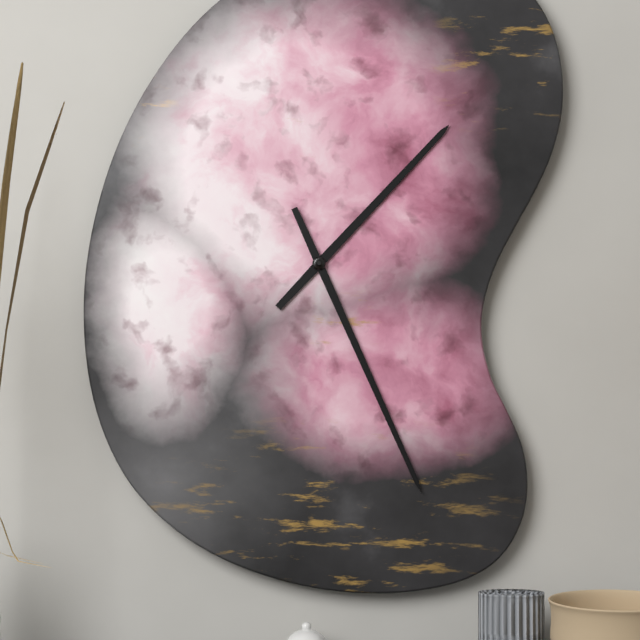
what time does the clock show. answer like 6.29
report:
1.26
